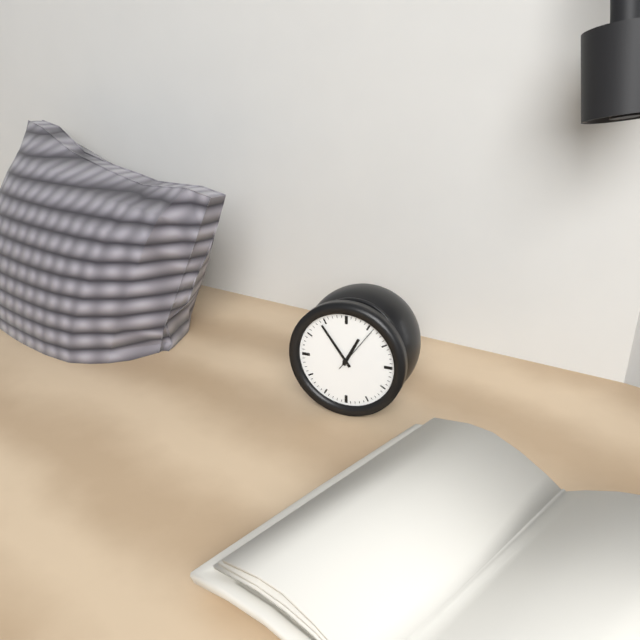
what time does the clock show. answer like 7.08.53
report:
12.54.06
